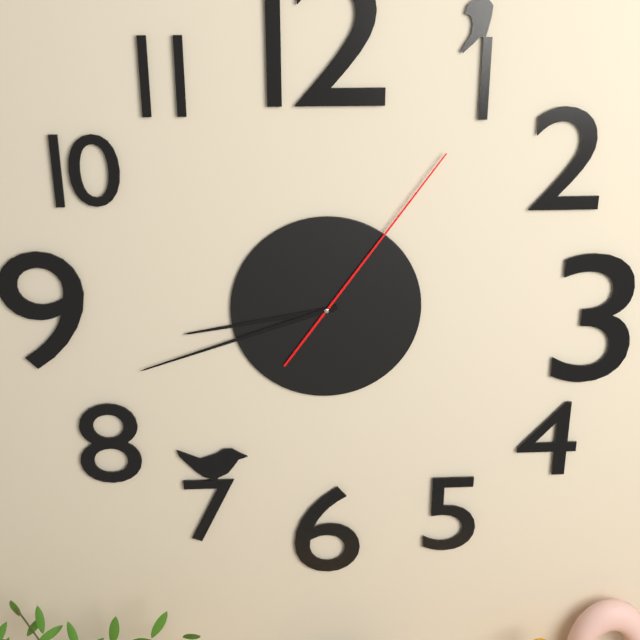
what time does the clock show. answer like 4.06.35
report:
8.42.06
